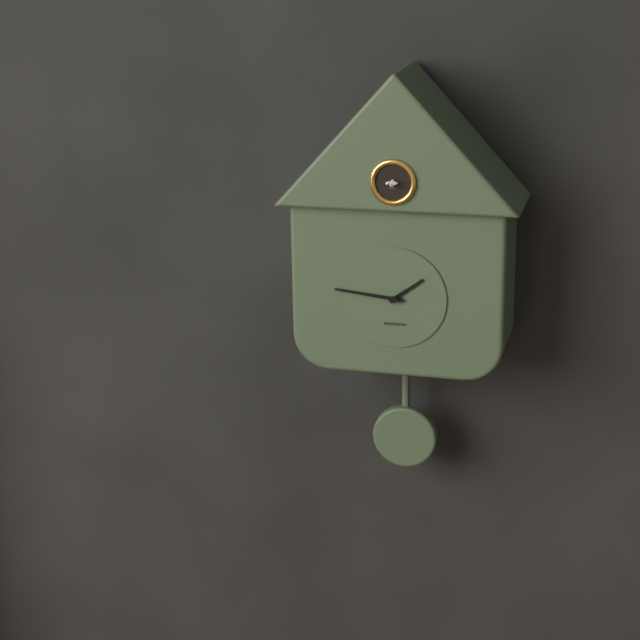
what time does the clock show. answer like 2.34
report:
1.46
